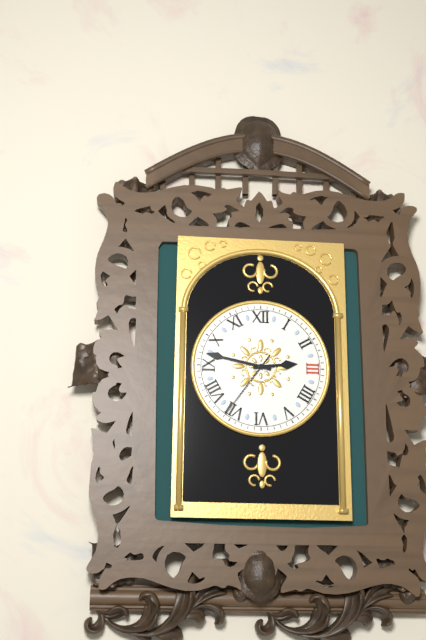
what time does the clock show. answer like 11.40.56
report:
2.47.36
